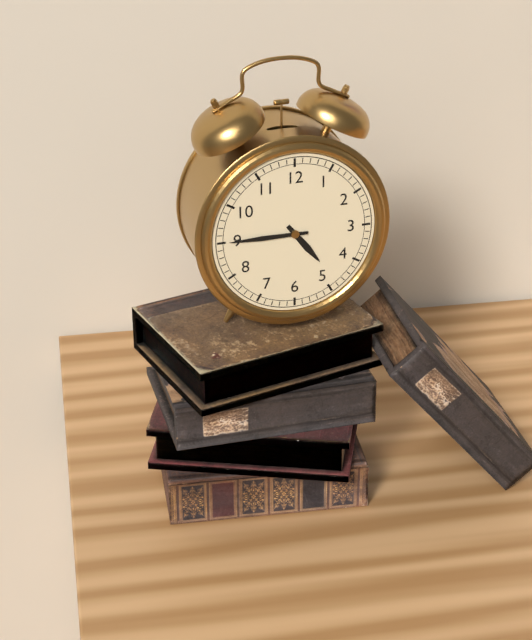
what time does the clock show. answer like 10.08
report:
4.45
